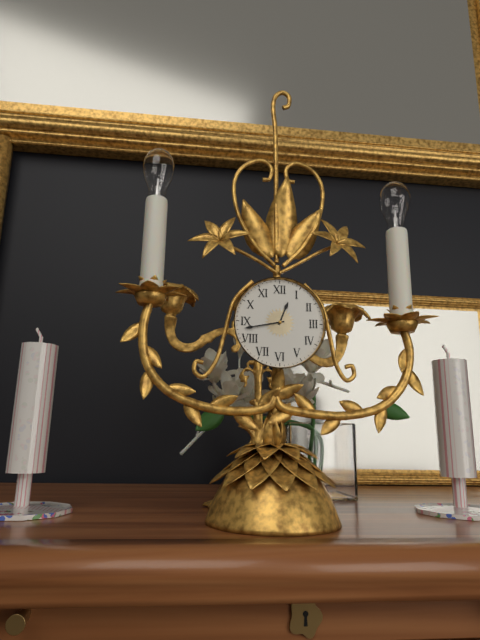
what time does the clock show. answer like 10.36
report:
12.43
